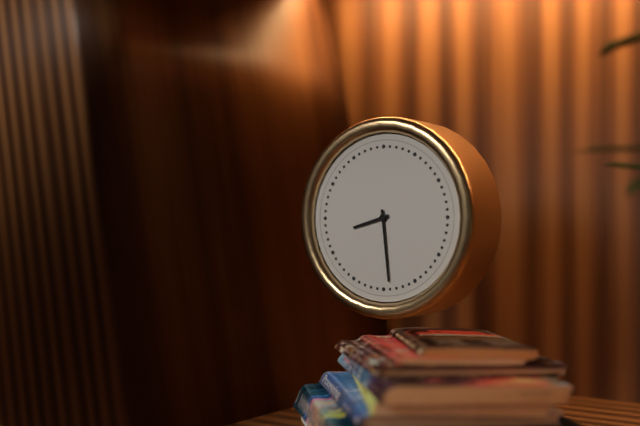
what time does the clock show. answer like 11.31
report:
8.29
